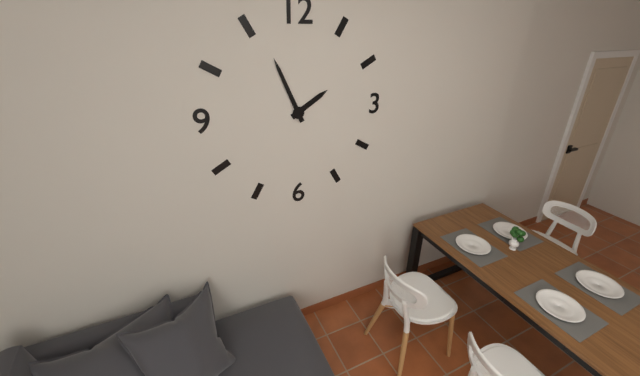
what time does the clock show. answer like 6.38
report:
1.56
